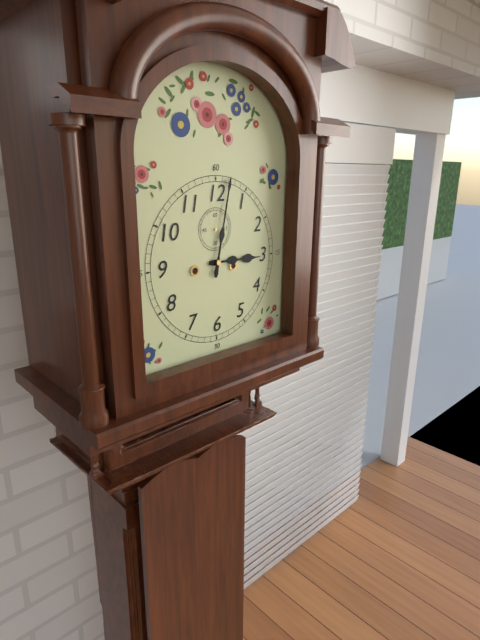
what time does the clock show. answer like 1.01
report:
3.02
